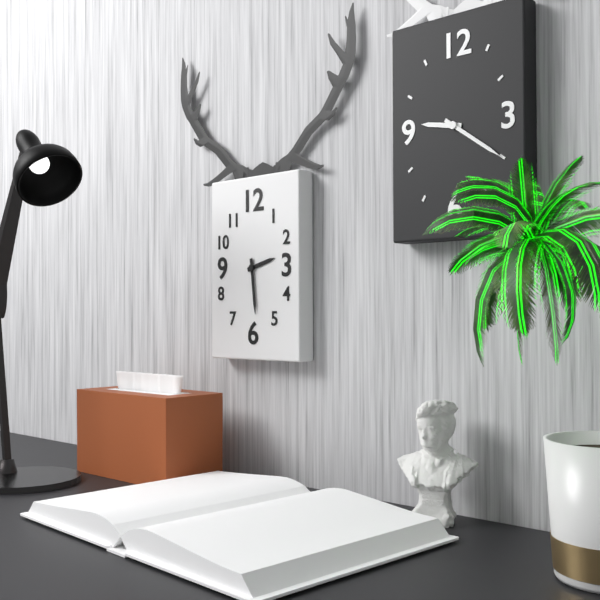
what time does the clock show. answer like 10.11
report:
2.29
